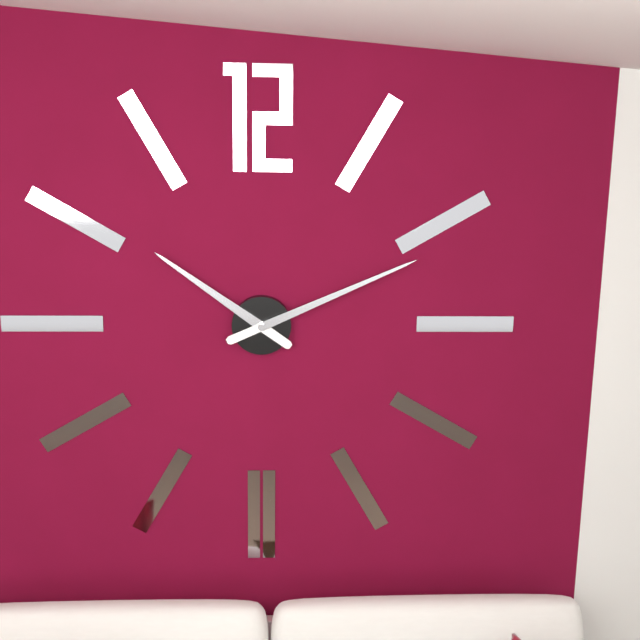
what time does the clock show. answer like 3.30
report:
10.11
